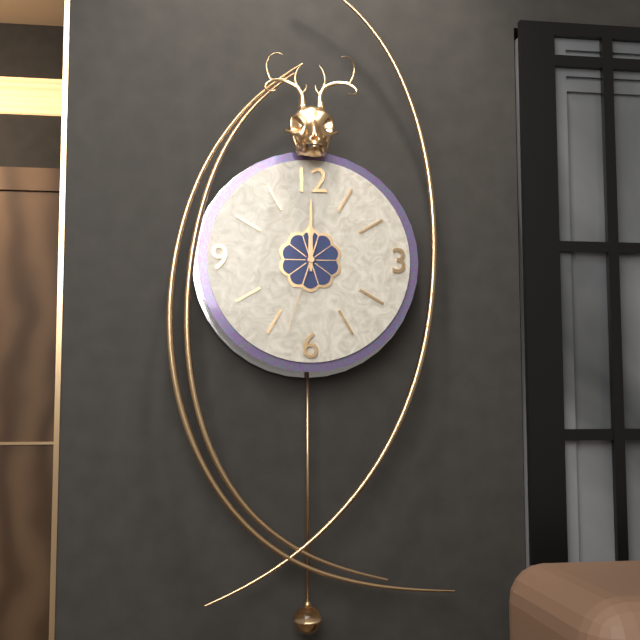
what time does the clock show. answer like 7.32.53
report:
12.00.33
